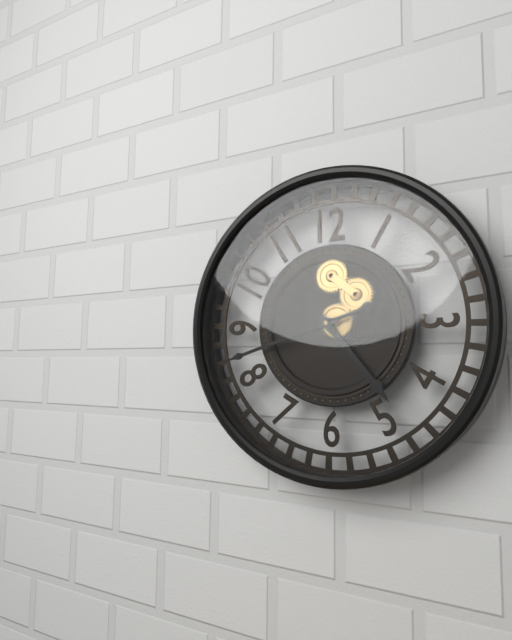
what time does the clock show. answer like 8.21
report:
4.42
